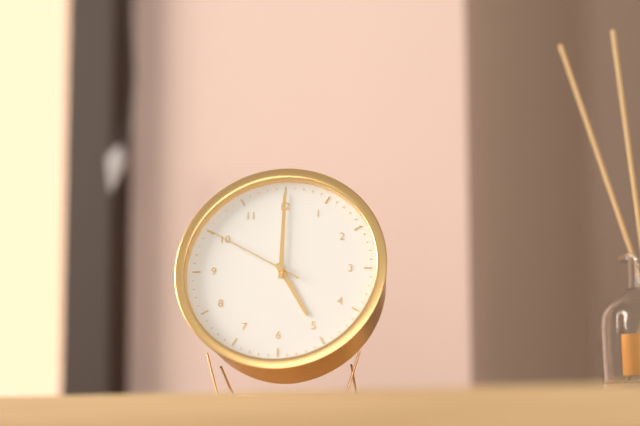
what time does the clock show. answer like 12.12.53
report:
5.00.50
